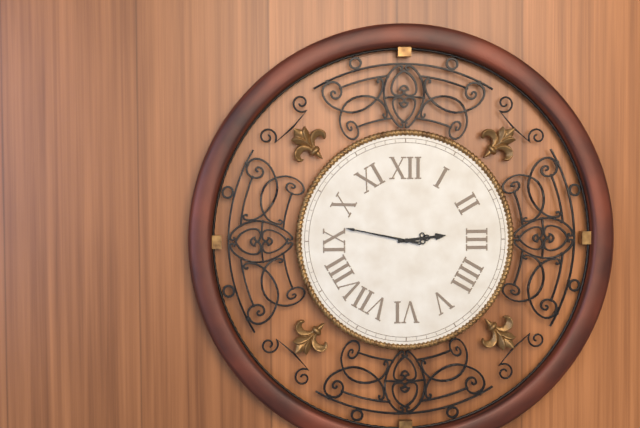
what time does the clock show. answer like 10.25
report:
2.47
